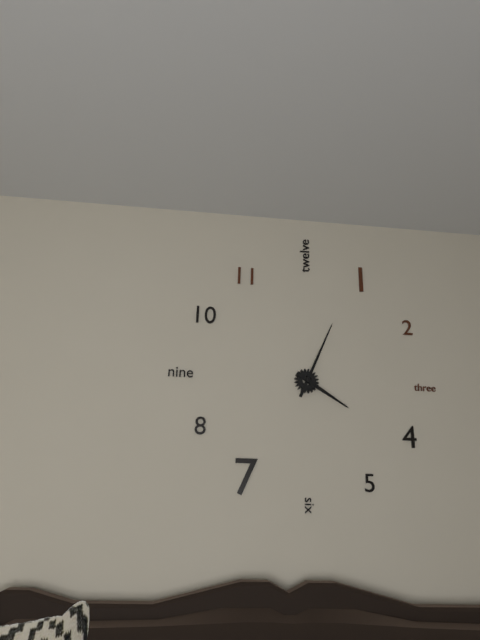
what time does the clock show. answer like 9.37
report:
4.04
